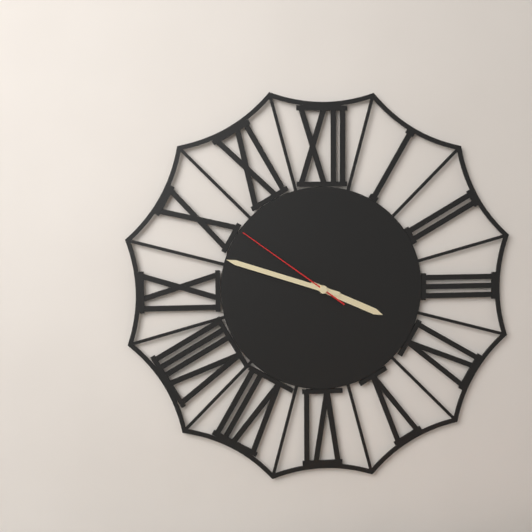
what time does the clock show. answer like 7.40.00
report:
3.48.51
